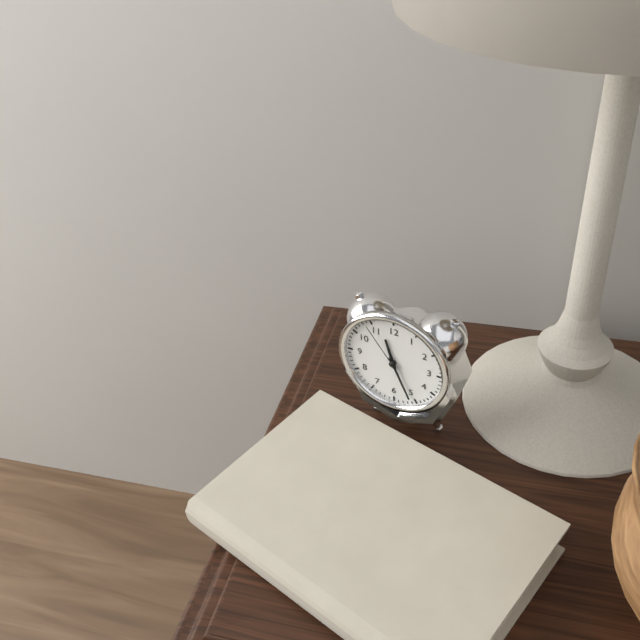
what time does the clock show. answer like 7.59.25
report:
11.26.54
